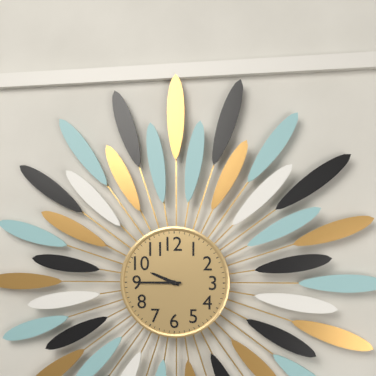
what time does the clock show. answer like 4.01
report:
9.45
